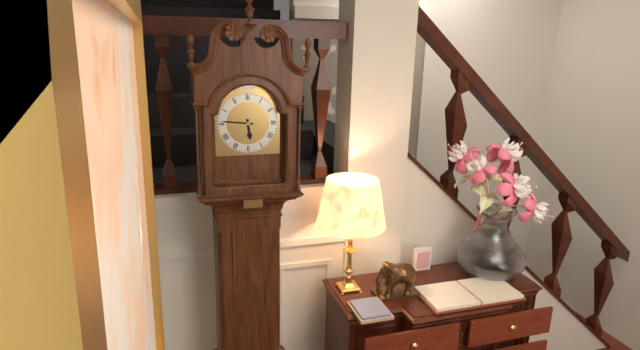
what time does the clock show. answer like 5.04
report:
5.46
